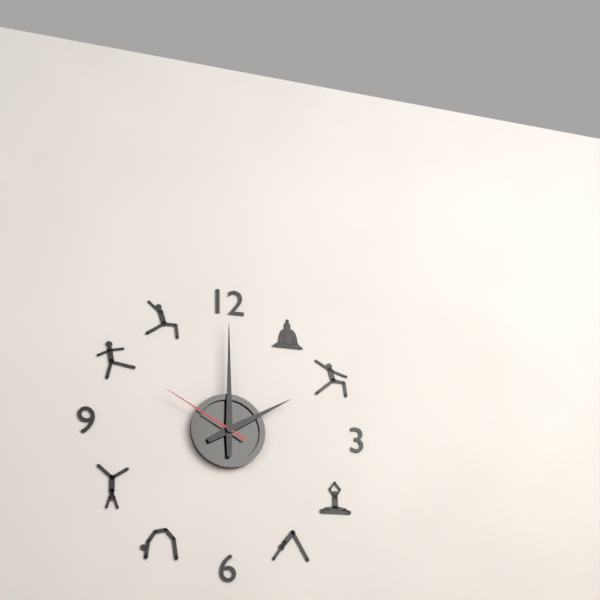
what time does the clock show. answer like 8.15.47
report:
2.00.50
